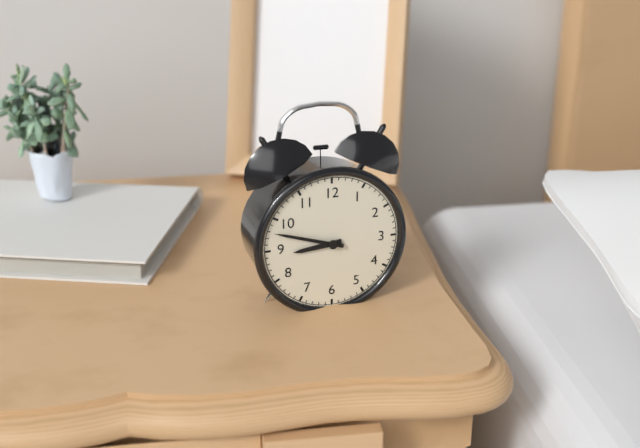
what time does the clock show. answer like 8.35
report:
8.48
